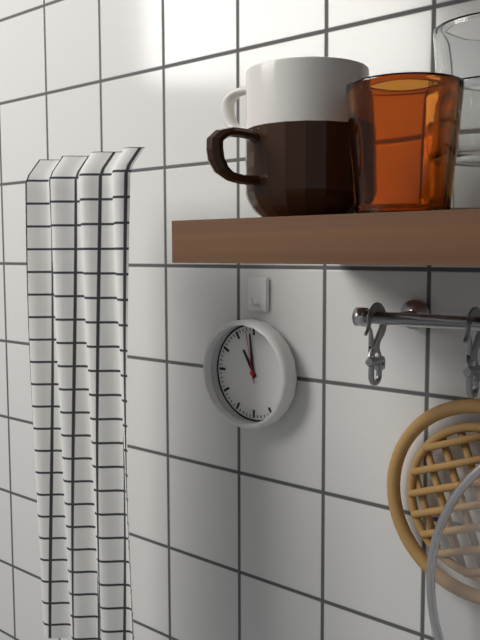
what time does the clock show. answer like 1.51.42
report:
10.59.58
